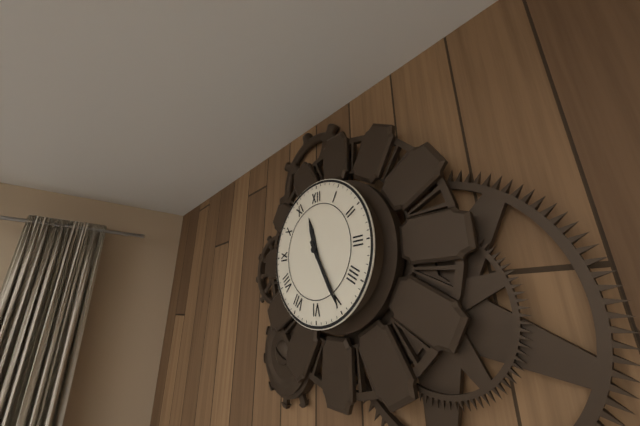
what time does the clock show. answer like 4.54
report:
11.25
